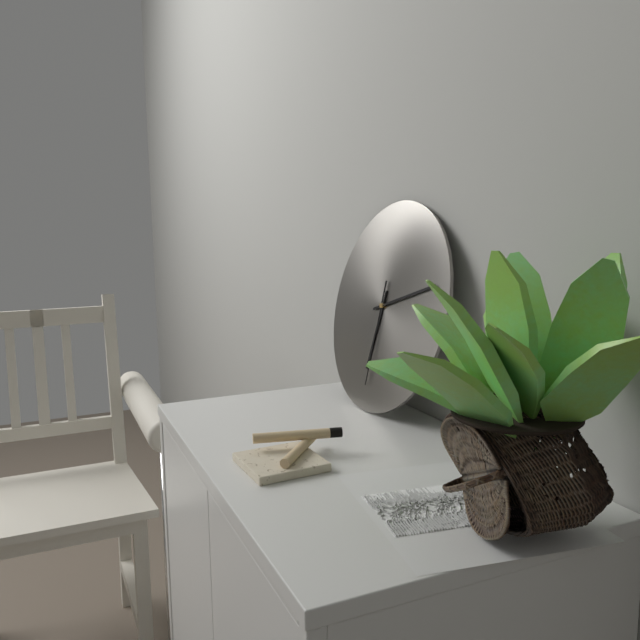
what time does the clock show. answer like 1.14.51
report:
6.12.30
